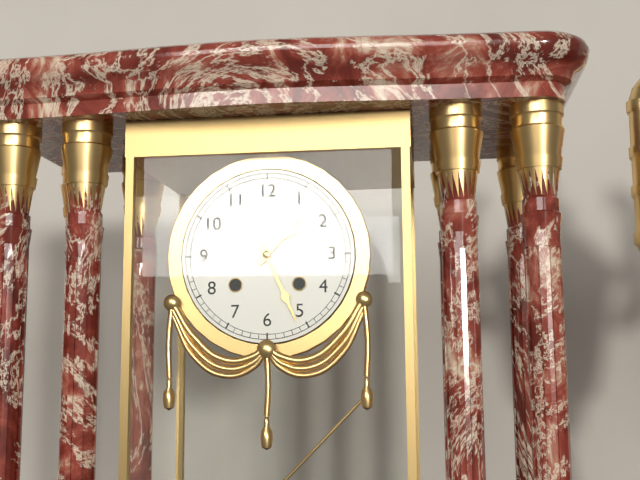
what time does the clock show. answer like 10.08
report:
1.26
